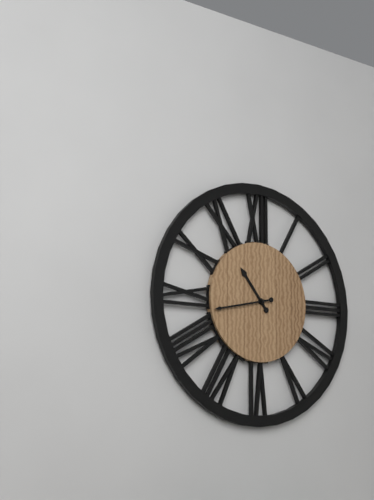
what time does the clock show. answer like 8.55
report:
10.43
